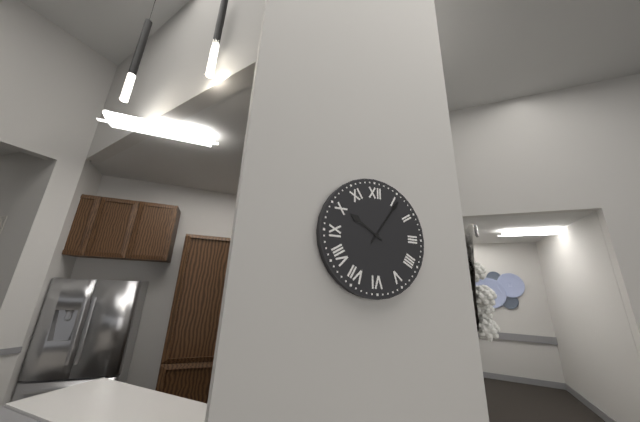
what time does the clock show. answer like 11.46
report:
10.06
